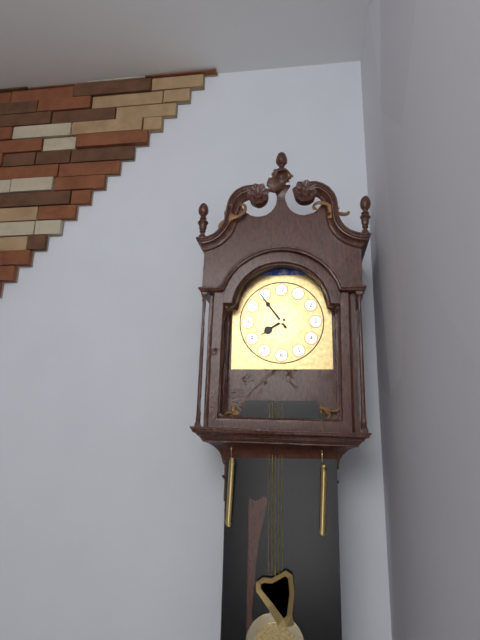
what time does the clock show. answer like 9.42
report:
7.54
